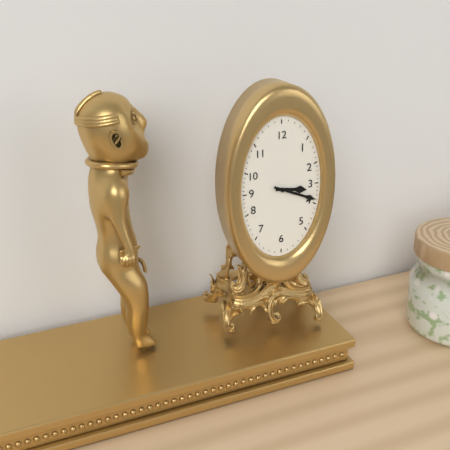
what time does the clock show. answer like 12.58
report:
3.19
